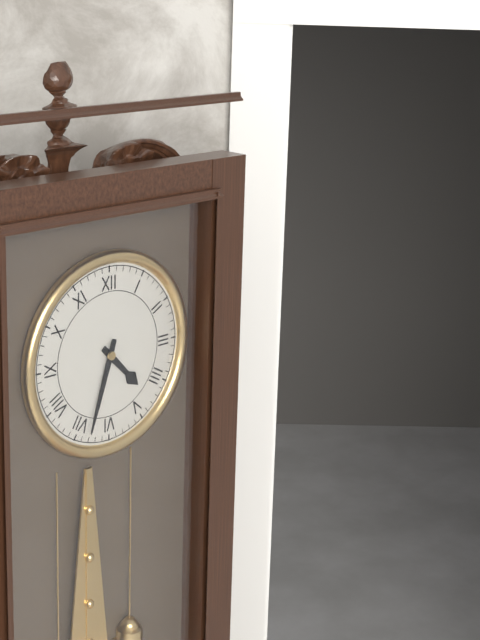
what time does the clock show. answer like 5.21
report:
4.33
